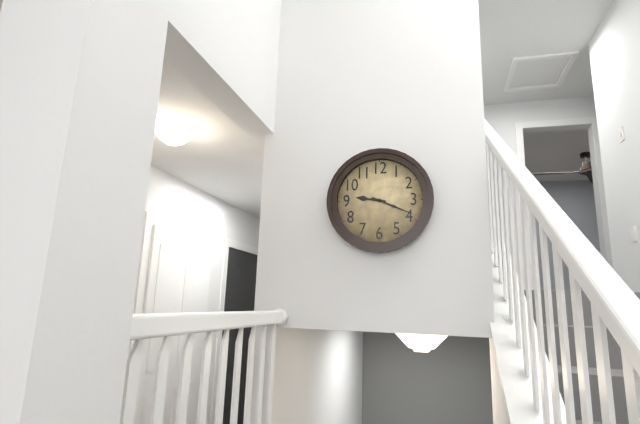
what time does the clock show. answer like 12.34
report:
9.19
